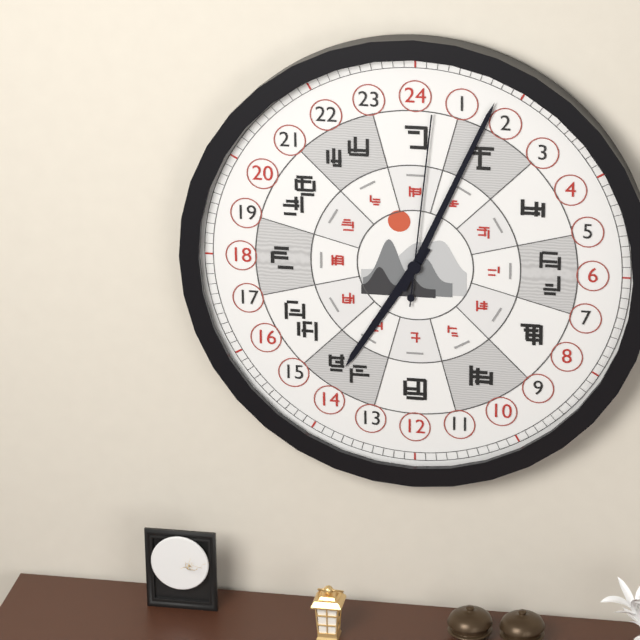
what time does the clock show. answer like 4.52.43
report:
7.04.01
